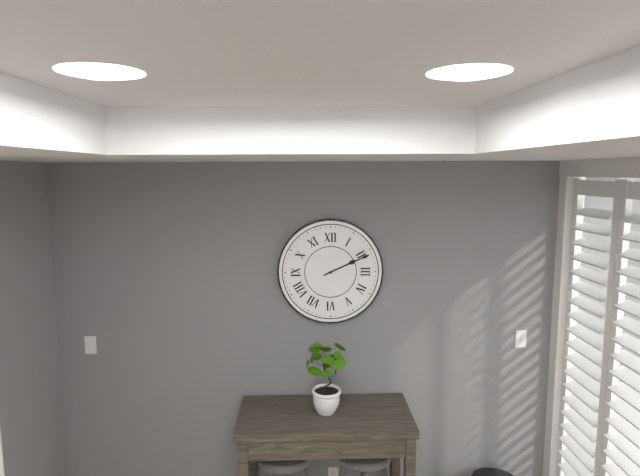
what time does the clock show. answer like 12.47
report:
2.11
